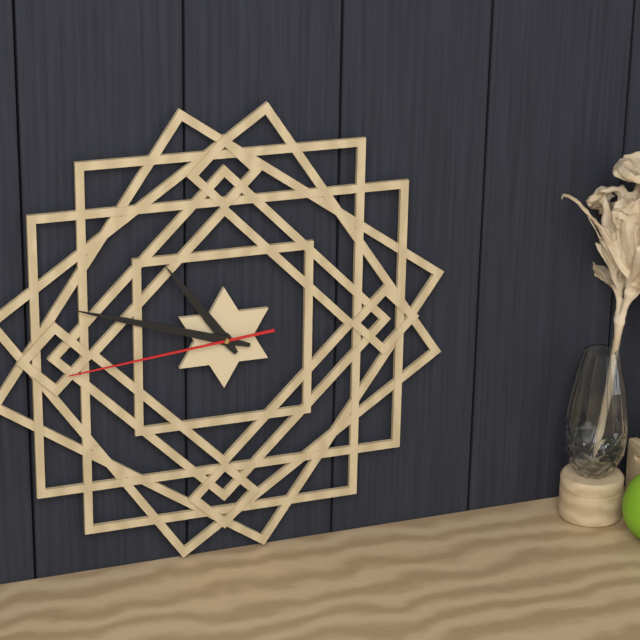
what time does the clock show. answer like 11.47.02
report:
10.48.44
